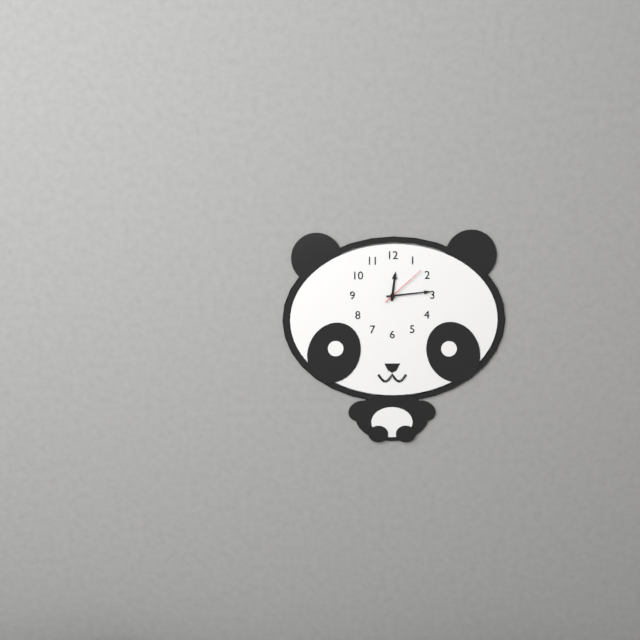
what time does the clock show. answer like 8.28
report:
12.14
